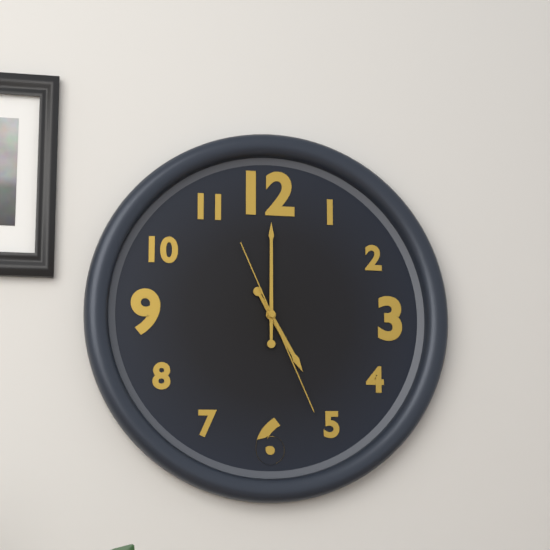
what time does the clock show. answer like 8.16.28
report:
5.00.26
